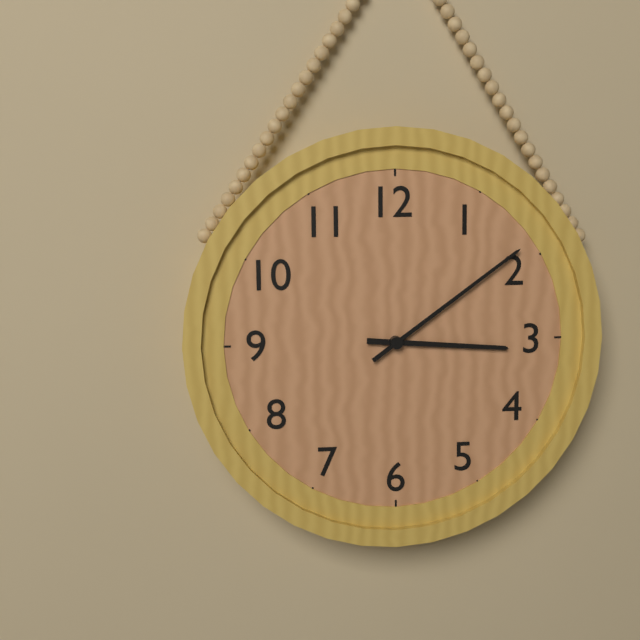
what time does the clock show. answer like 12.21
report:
3.09
